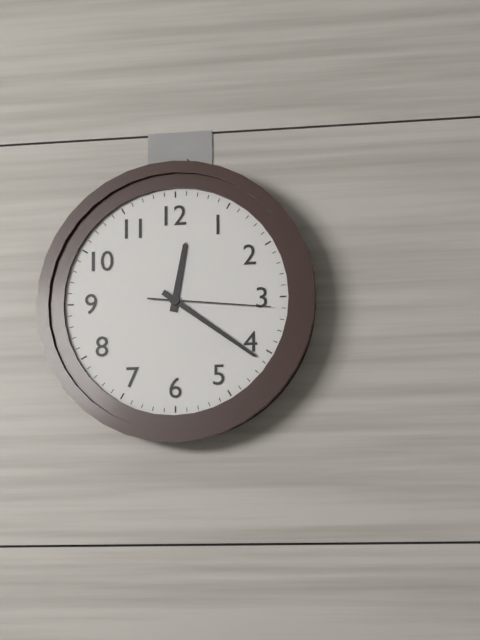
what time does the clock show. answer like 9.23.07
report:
12.21.16
